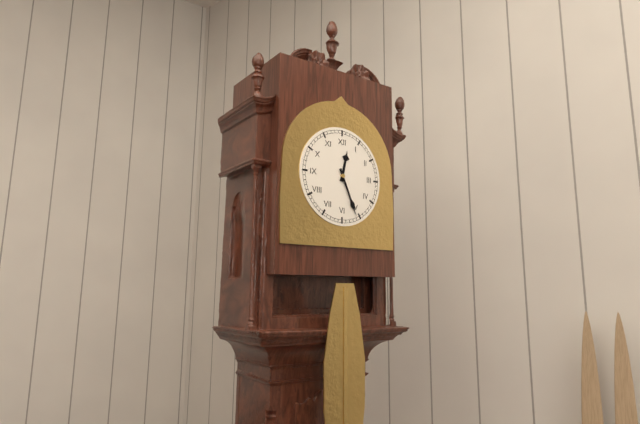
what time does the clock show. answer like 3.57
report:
12.26
